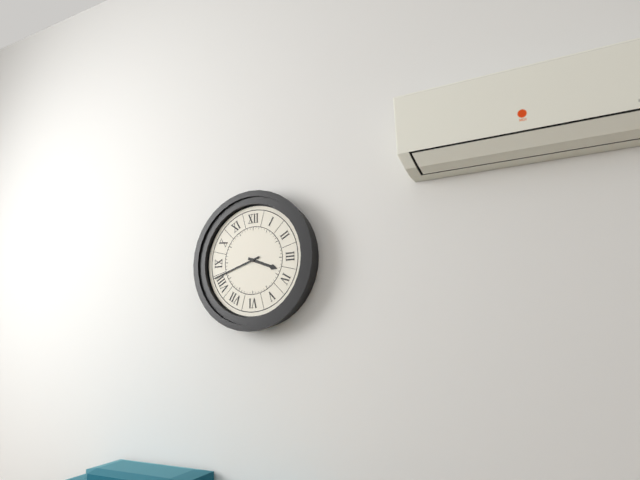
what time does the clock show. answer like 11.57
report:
3.42
